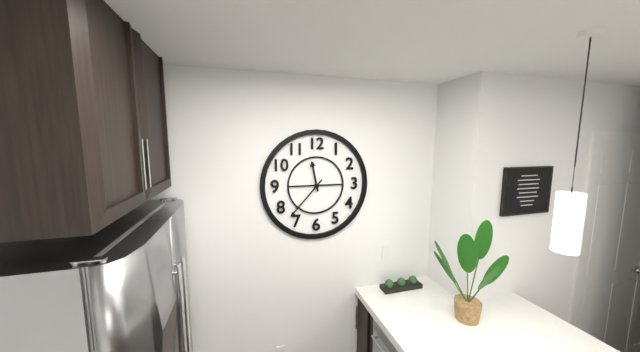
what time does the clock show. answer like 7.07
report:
11.37
